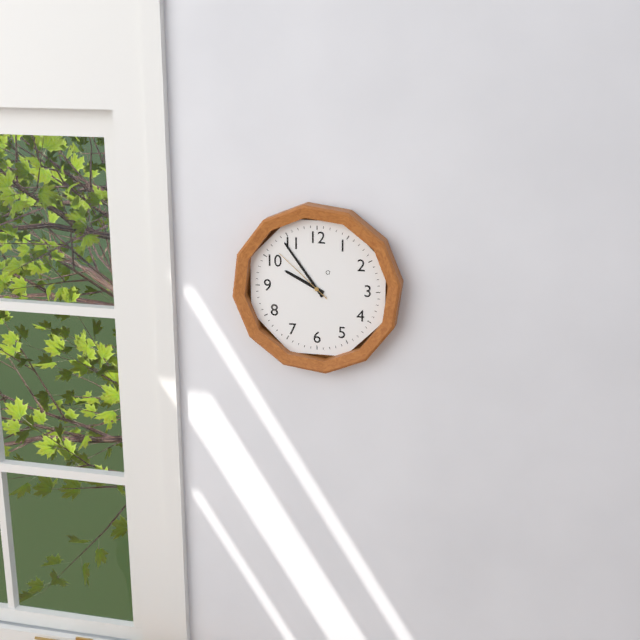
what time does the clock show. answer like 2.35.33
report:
9.54.52
